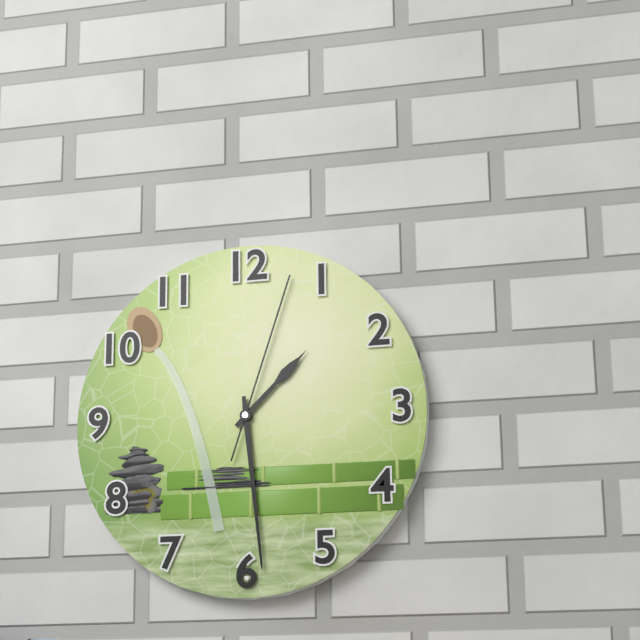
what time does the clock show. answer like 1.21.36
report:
1.29.03
